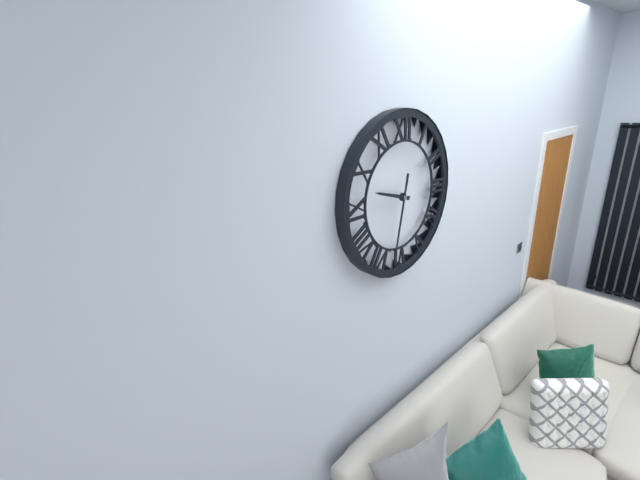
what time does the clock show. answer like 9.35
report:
9.32
